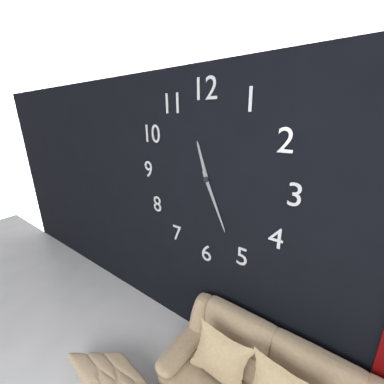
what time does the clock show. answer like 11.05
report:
11.26
